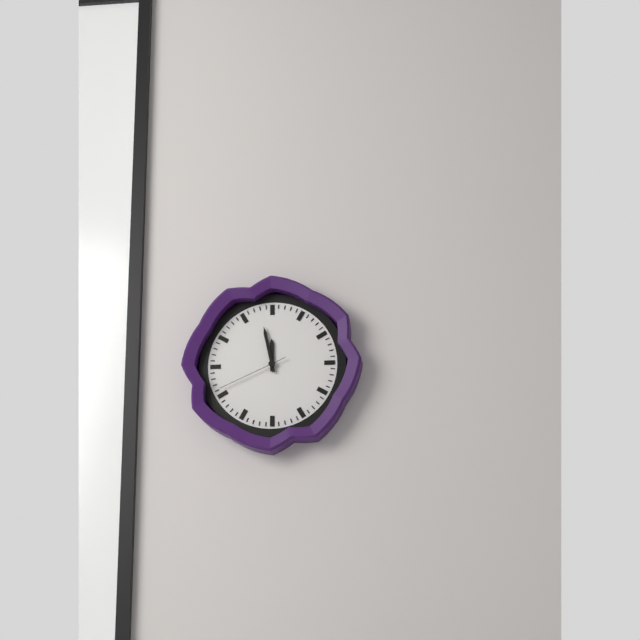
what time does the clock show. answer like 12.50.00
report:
11.58.41
